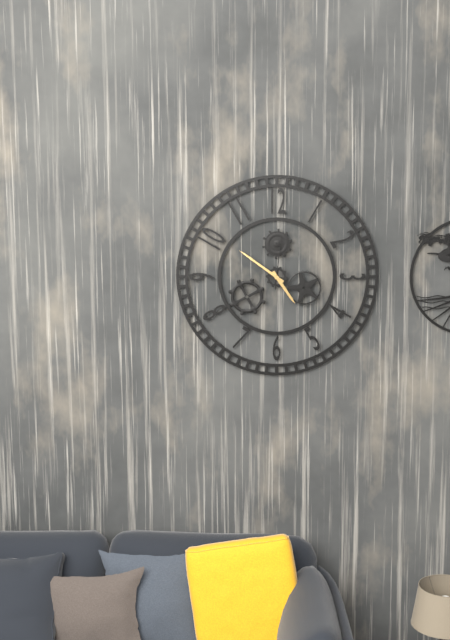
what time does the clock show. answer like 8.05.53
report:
4.51.01
